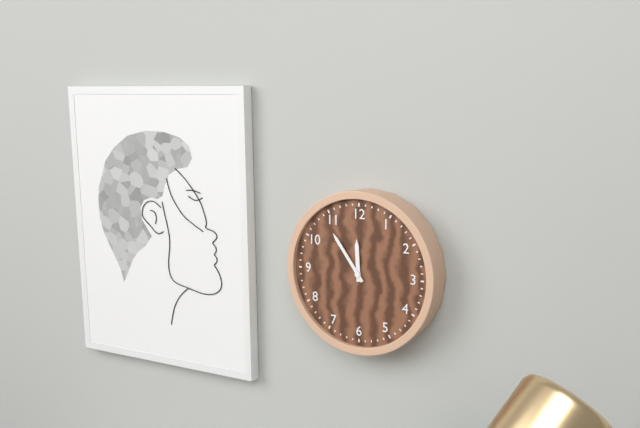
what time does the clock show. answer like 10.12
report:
11.54
